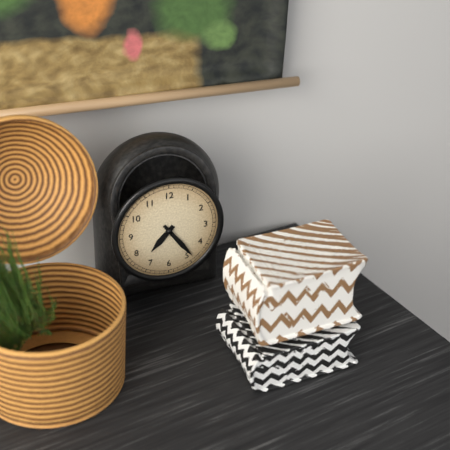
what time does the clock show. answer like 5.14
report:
7.24
